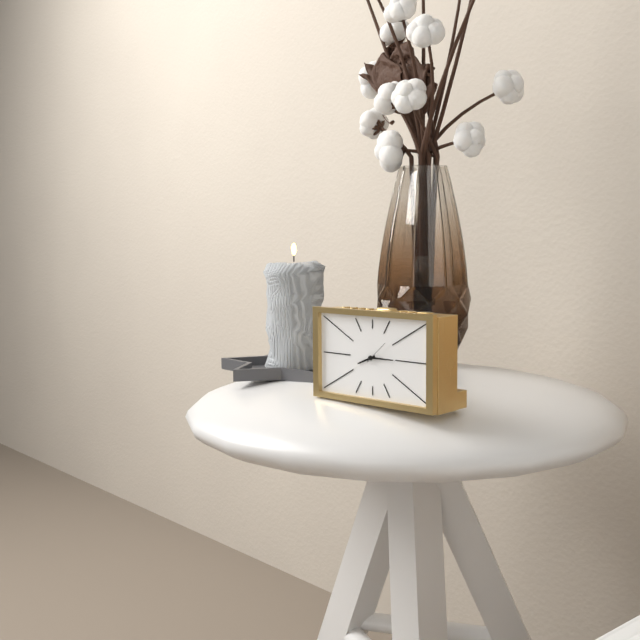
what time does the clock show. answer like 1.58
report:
8.15
